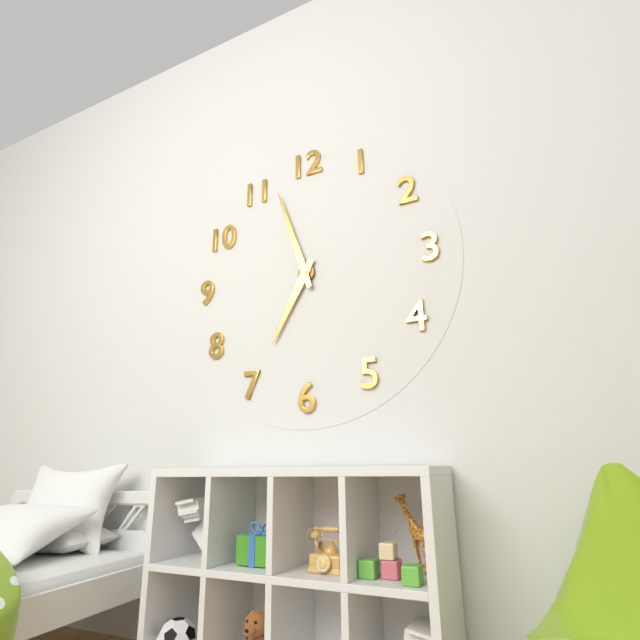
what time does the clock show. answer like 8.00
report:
6.57
